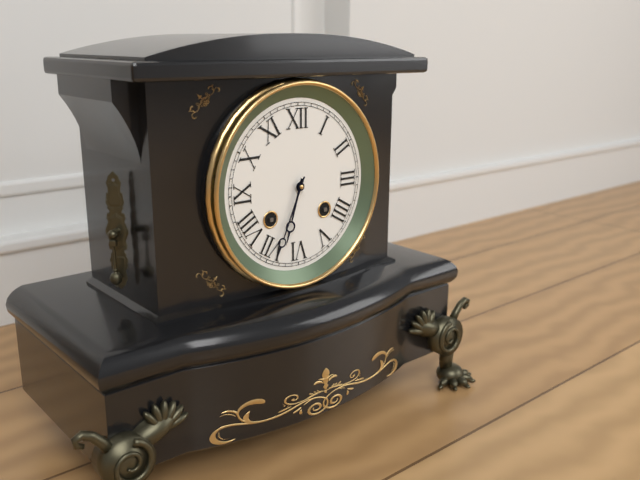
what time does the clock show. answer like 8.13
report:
6.34
